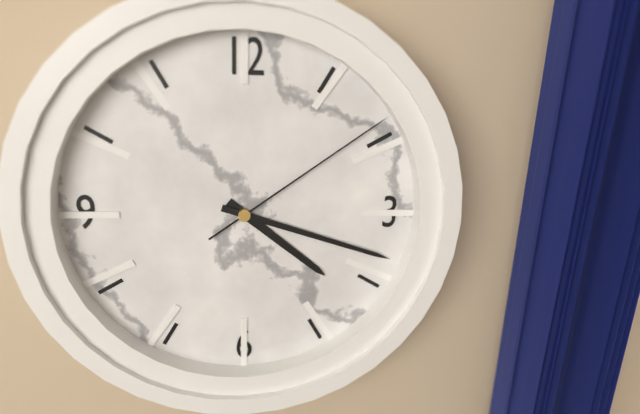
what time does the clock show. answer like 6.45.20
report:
4.18.09
